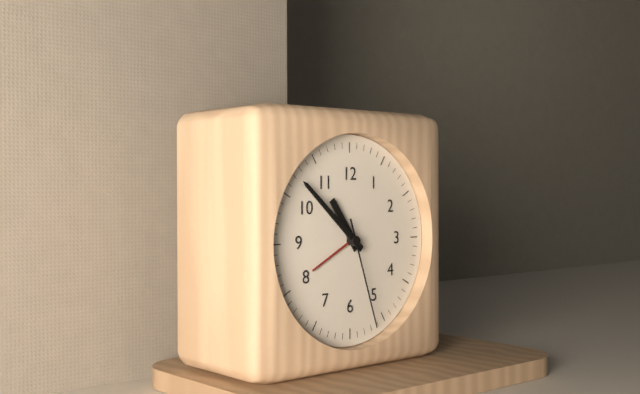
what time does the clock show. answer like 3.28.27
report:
10.52.27
